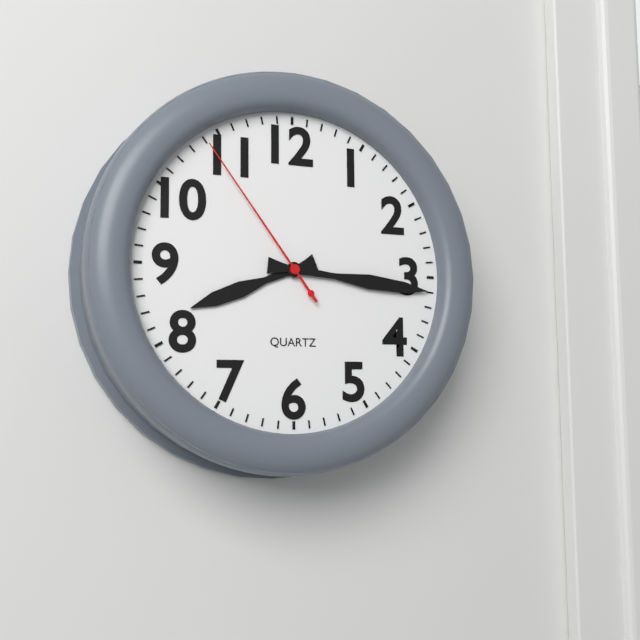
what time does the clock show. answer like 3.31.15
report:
8.16.54
